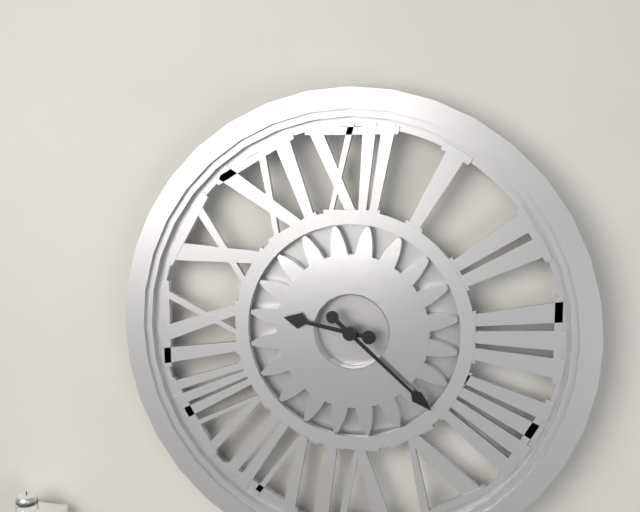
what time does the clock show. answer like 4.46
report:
9.22
